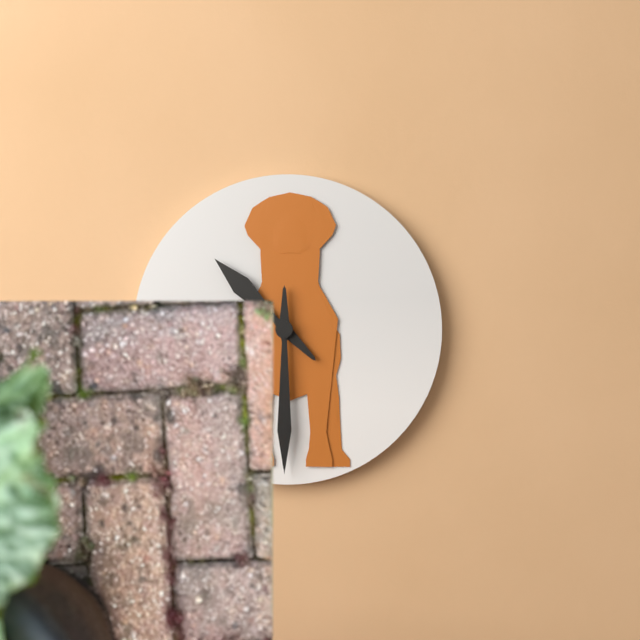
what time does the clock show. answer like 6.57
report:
10.30
